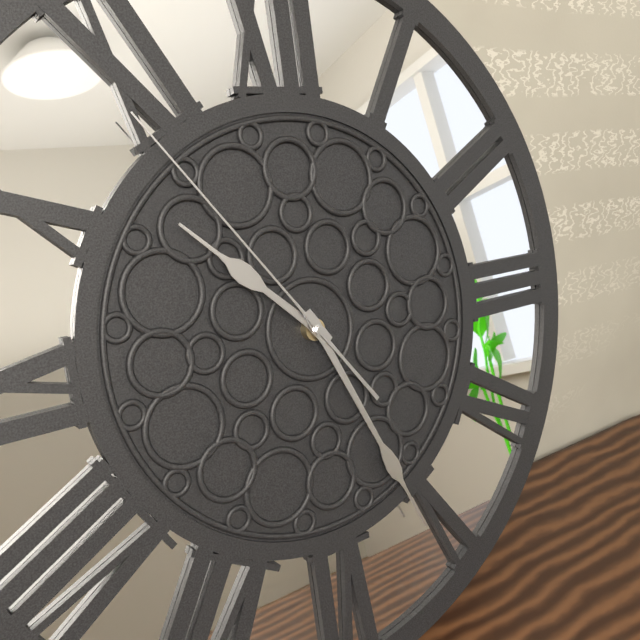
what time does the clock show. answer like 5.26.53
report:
10.26.54
